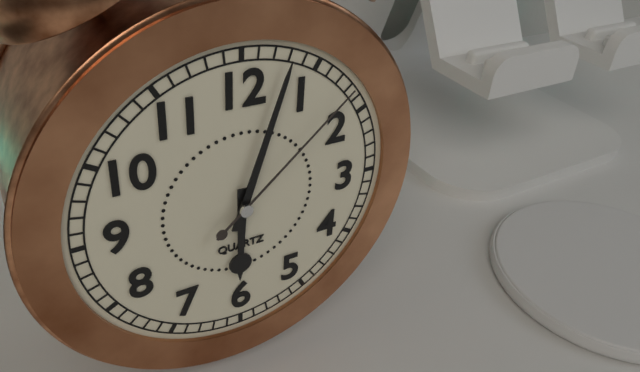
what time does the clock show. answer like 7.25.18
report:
6.03.08
